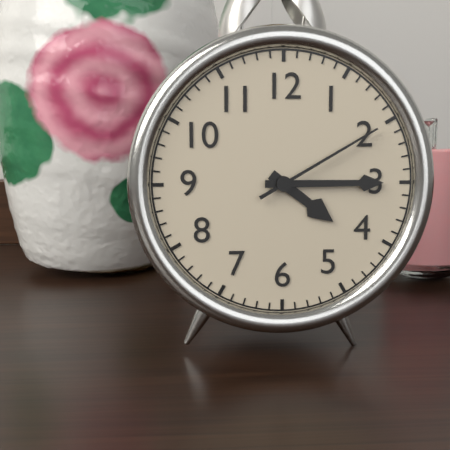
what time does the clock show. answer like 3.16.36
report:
4.15.10
